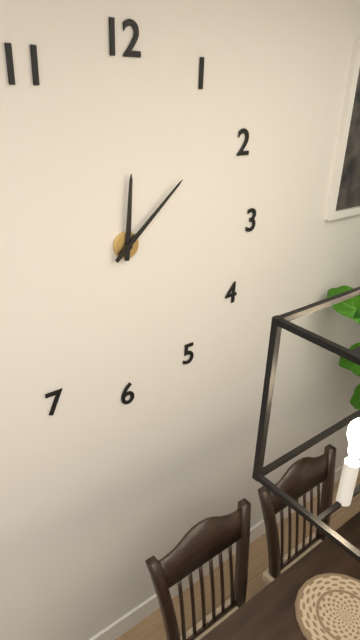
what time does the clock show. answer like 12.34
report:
12.08
